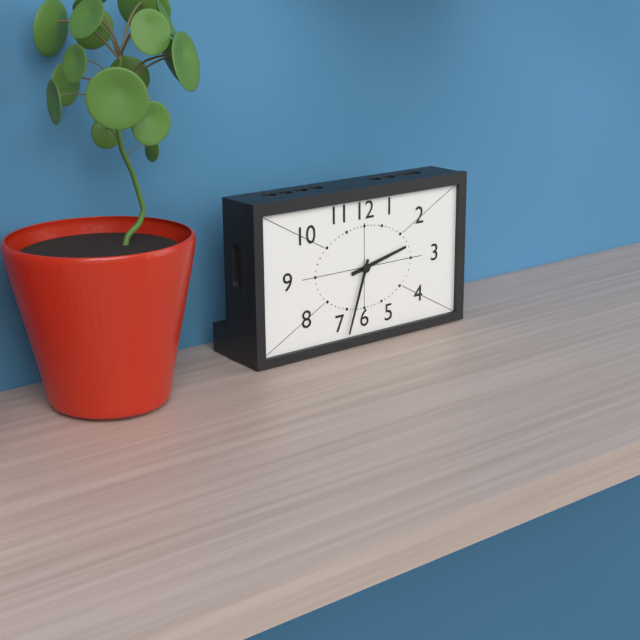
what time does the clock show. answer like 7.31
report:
2.33
